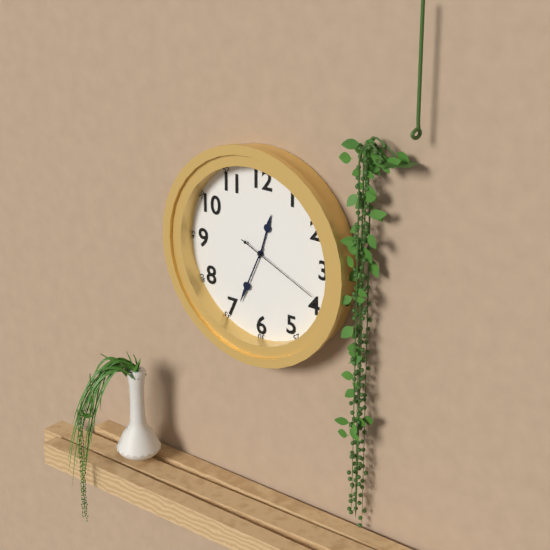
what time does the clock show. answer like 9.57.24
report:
12.34.19
